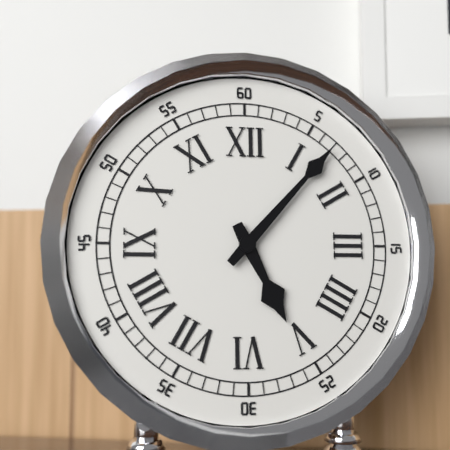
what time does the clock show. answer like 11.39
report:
5.07
